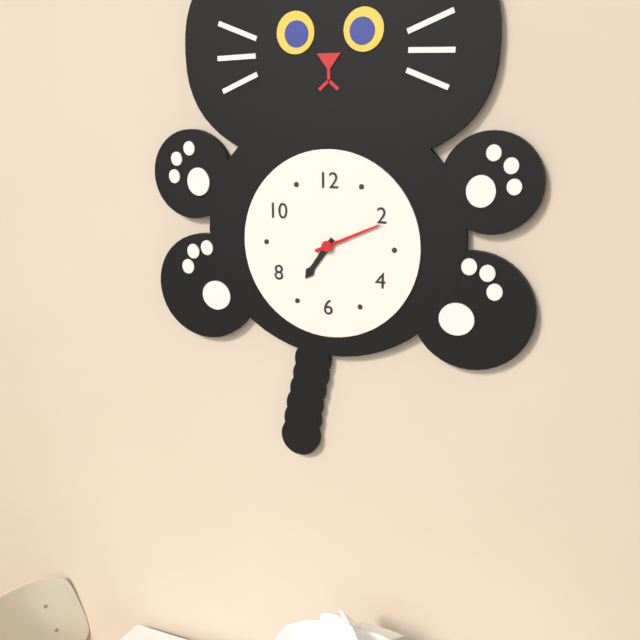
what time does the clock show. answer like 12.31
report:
7.11
